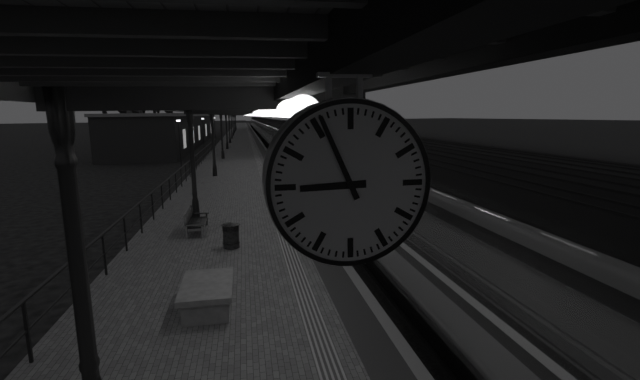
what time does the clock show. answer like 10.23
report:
8.56
